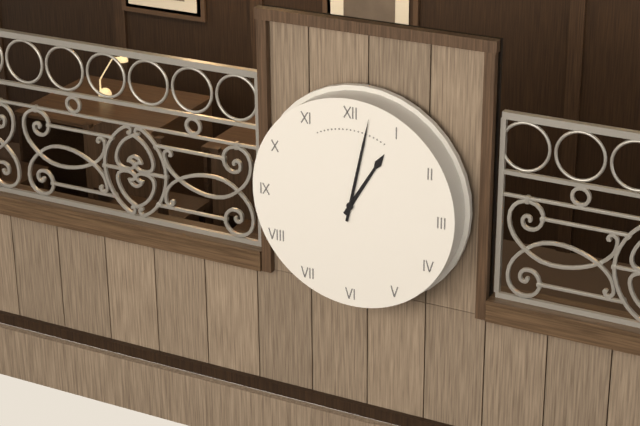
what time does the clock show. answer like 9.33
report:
1.02
